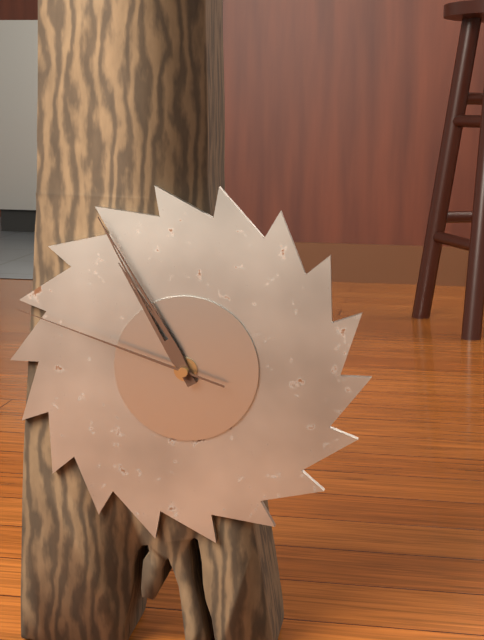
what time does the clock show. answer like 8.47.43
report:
10.55.48
